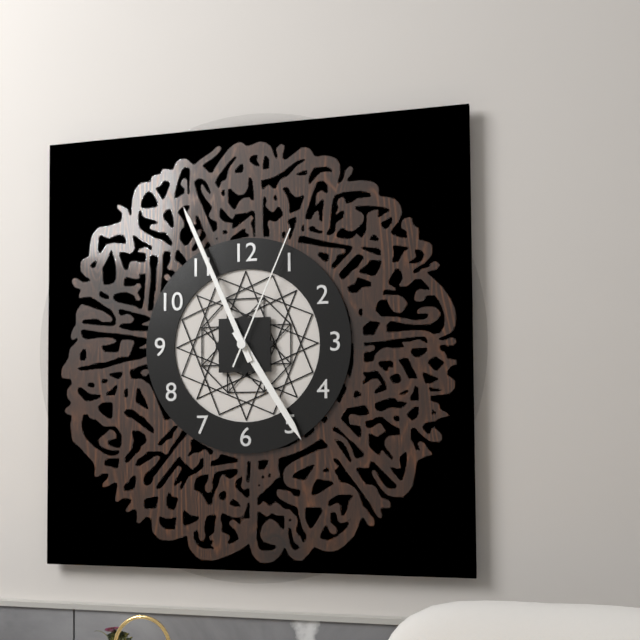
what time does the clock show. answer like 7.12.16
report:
4.56.04
